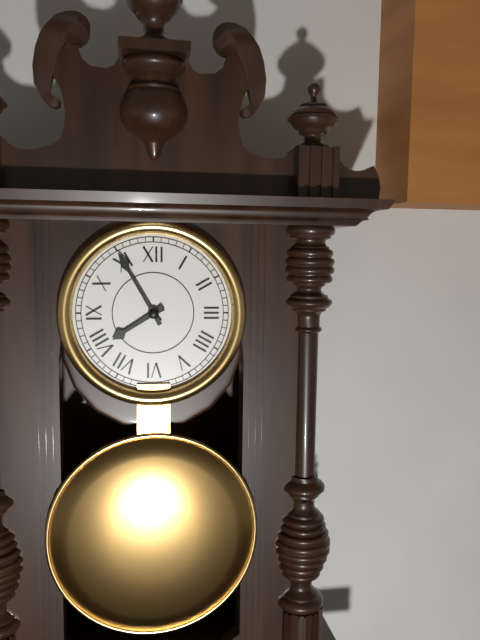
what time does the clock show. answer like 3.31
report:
7.55
